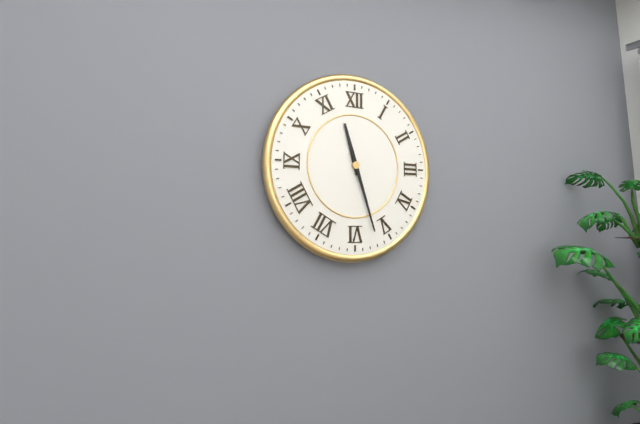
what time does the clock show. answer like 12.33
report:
11.27
